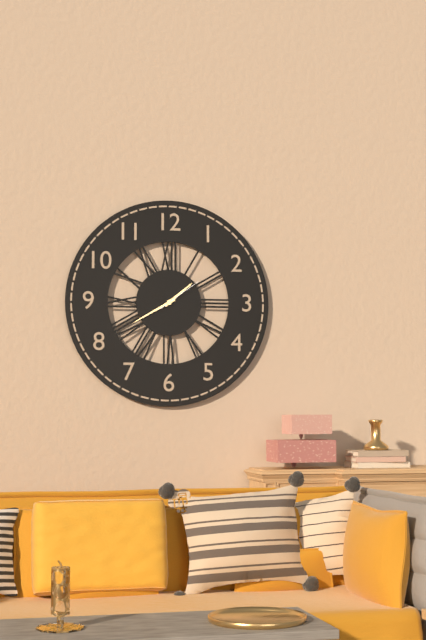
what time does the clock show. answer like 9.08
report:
1.40
